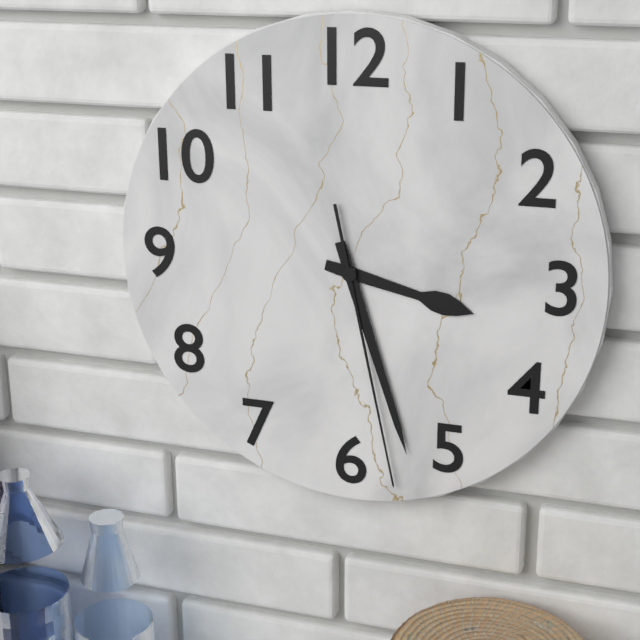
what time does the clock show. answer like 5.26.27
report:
3.27.28
